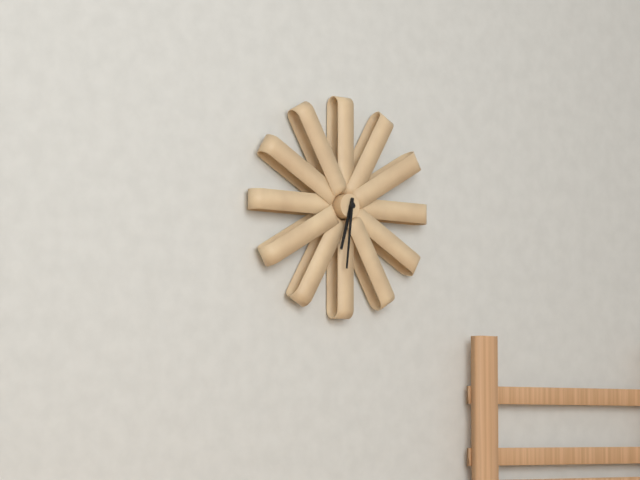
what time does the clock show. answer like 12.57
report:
6.31
